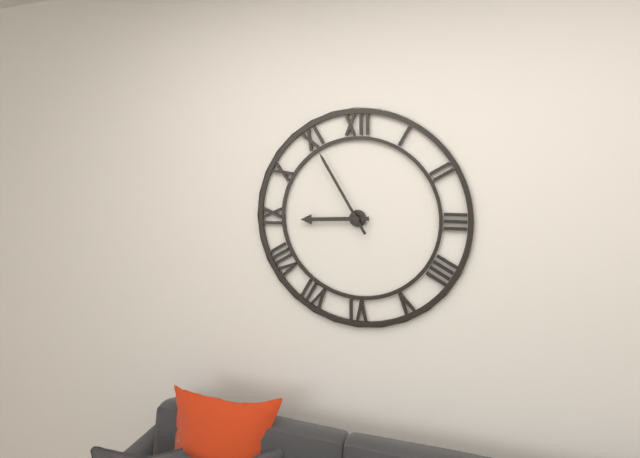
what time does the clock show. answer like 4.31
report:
8.55
